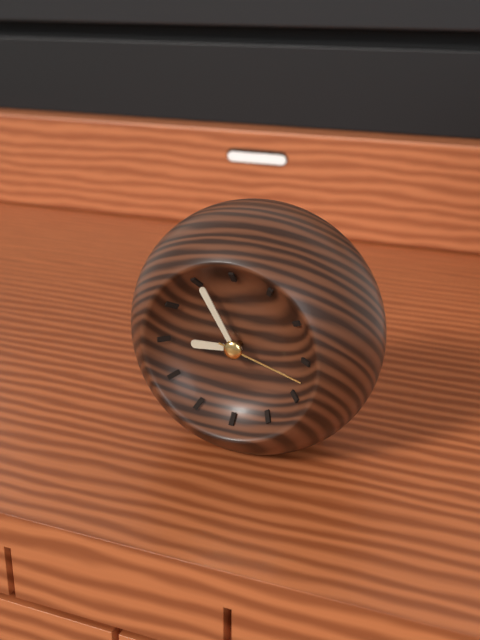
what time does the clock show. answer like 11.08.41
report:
8.55.18
